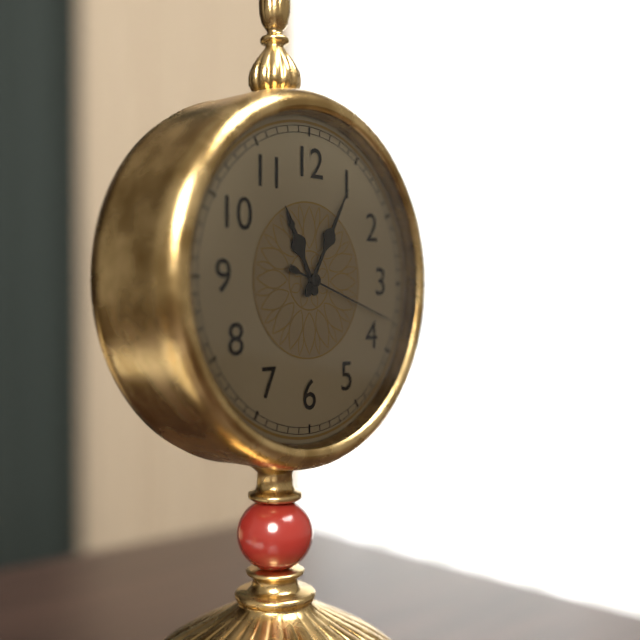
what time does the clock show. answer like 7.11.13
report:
11.05.18
